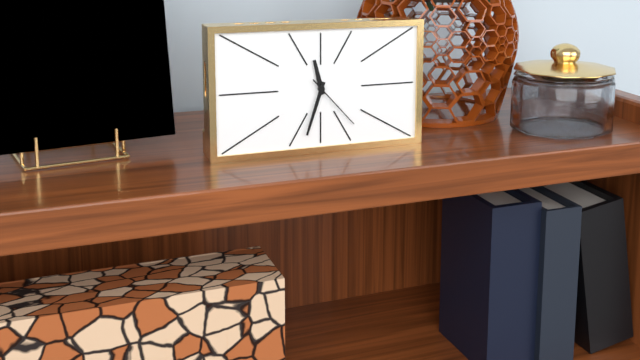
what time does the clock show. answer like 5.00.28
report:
11.33.23
